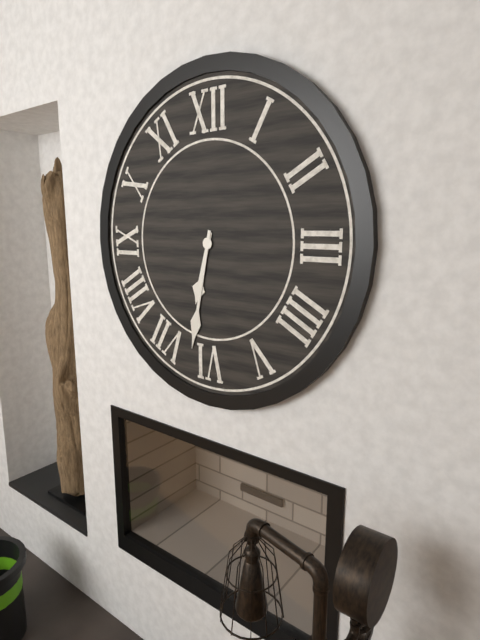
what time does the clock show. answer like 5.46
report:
6.32
